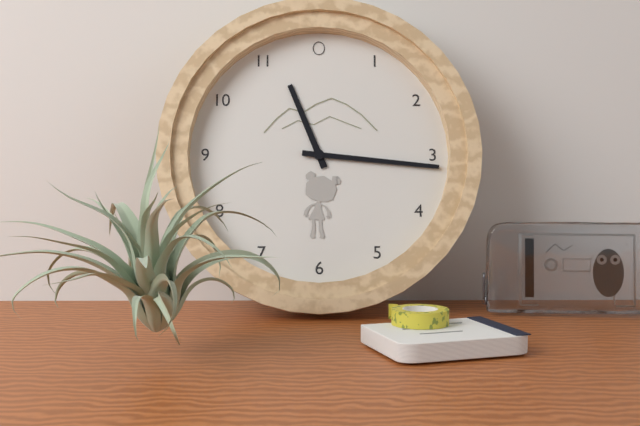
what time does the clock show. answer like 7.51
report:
11.16
